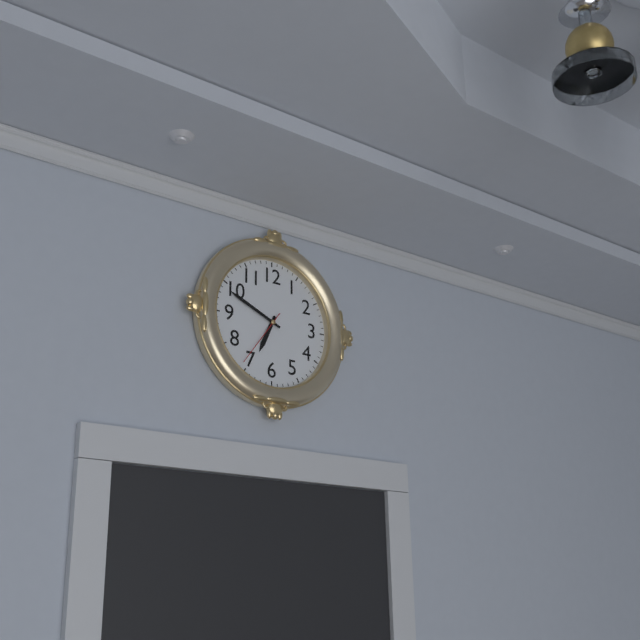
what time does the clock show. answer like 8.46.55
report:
6.49.36
